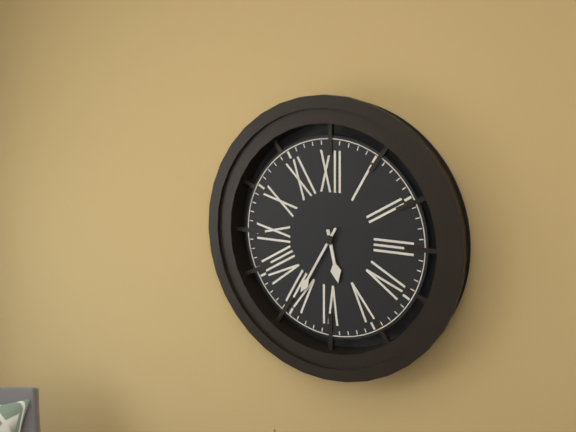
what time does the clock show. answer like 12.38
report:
5.35
